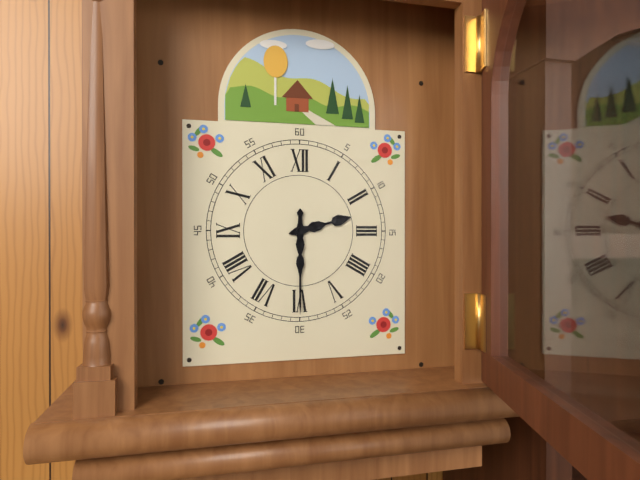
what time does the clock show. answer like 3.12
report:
2.30
